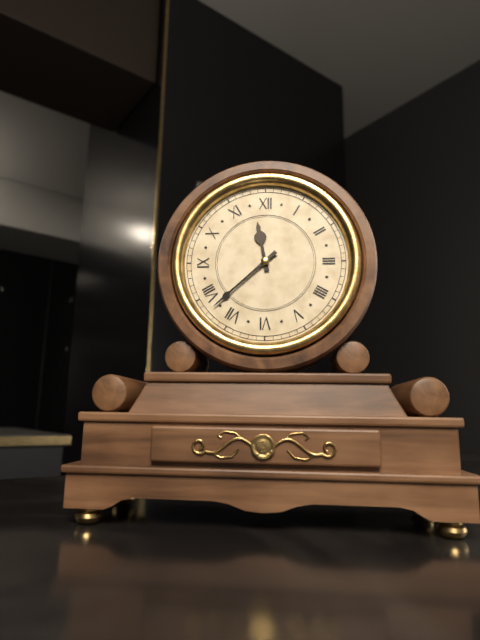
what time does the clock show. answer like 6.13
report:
11.38
